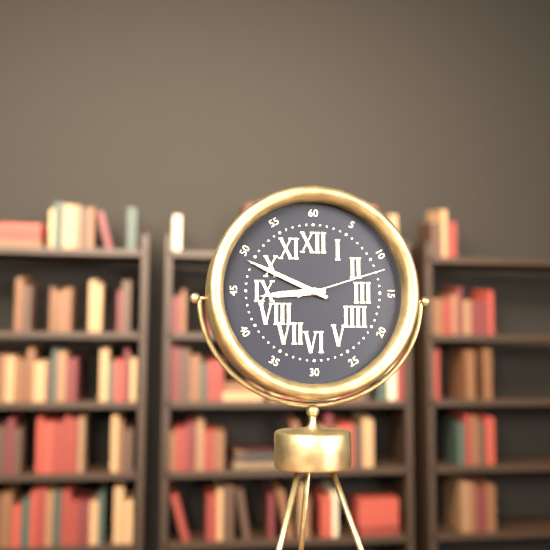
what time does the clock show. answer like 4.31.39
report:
8.49.12
